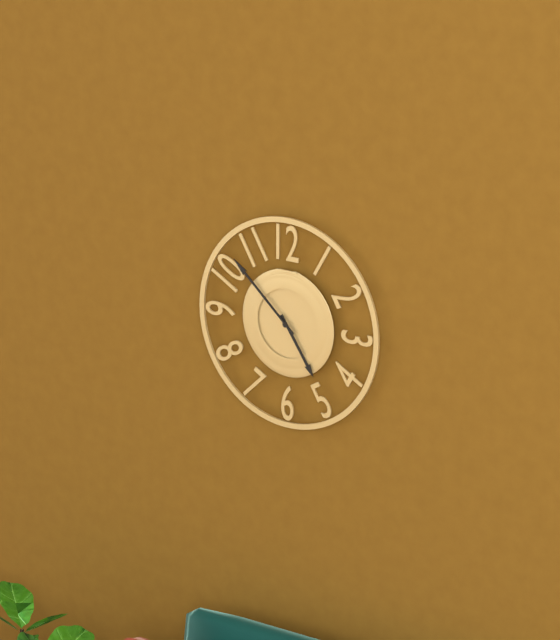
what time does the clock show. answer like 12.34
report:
4.52
